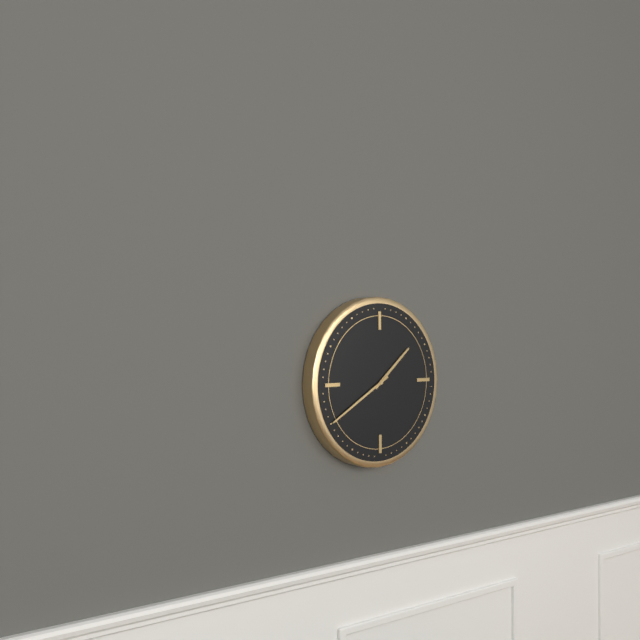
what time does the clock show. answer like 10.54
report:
1.40
